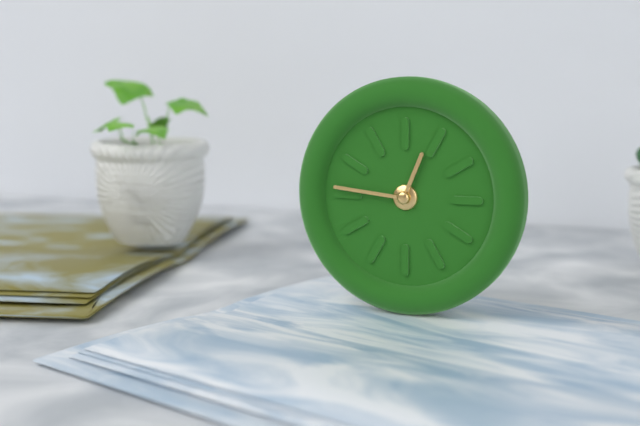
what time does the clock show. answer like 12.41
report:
12.46
